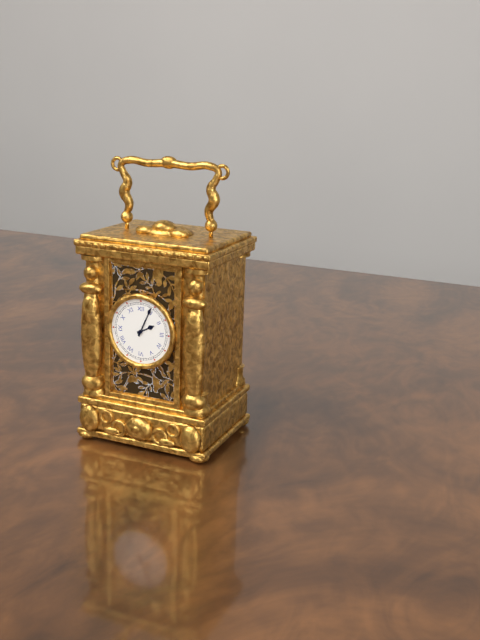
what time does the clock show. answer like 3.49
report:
2.04
